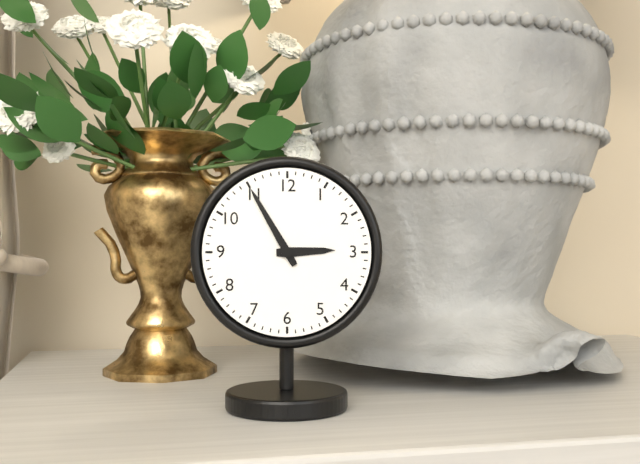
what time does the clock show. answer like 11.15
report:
2.55
